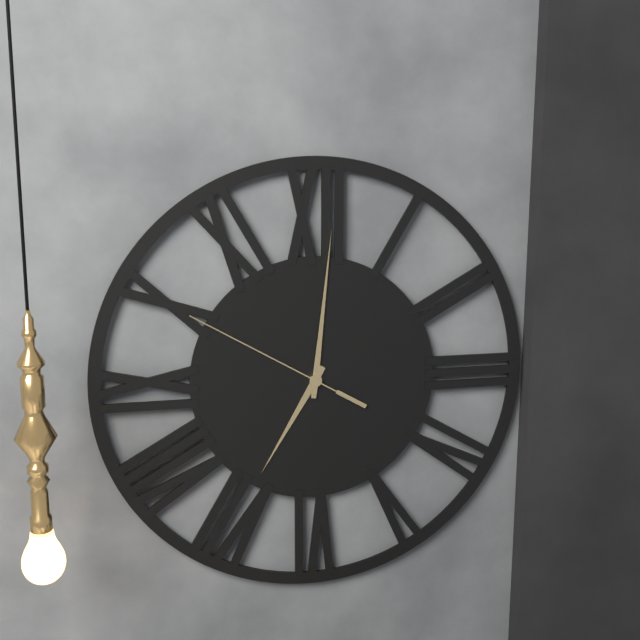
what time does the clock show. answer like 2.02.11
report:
7.01.50
